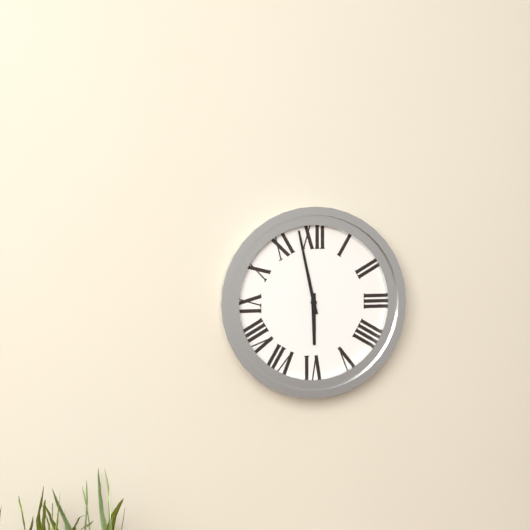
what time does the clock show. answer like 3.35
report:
5.58
